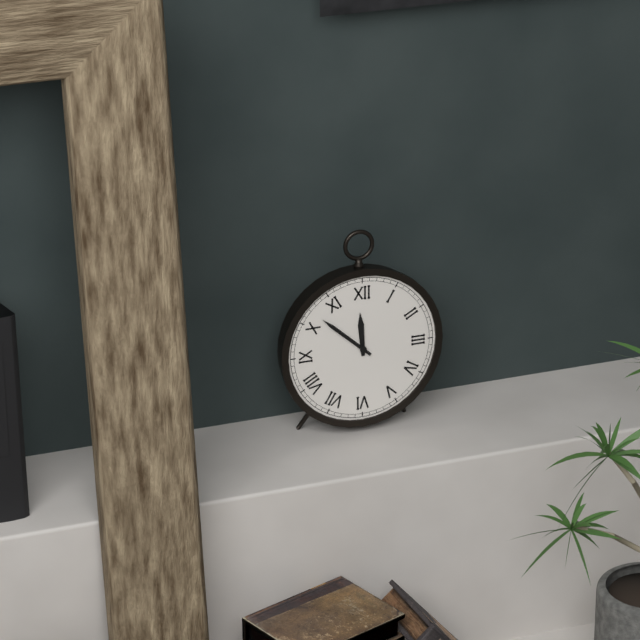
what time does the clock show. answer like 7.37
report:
11.52
